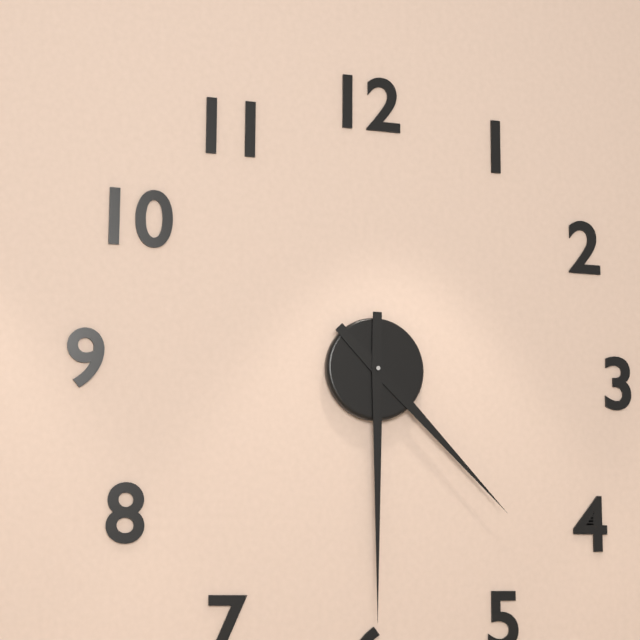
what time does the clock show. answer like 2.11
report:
4.30
